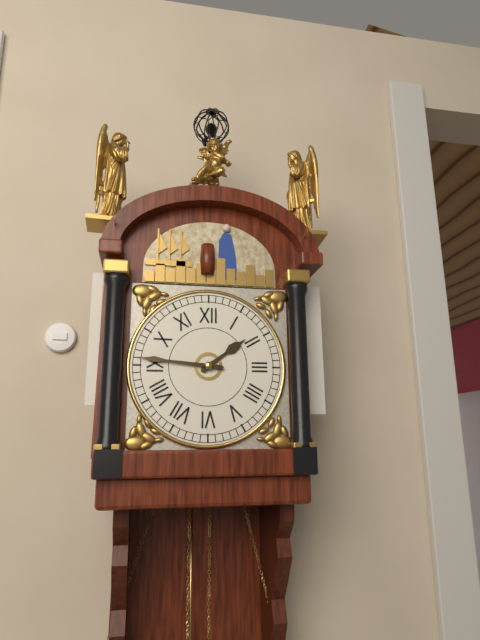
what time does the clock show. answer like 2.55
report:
1.46
